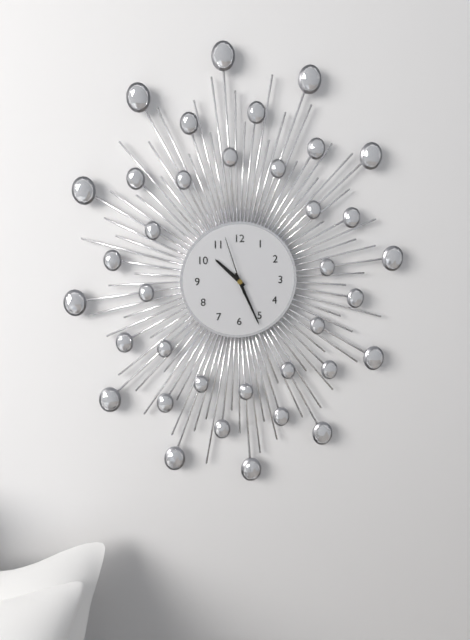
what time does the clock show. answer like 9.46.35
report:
10.26.57
